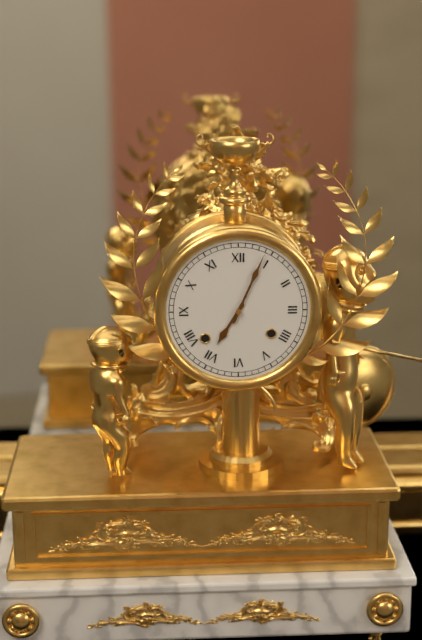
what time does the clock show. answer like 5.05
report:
7.04
